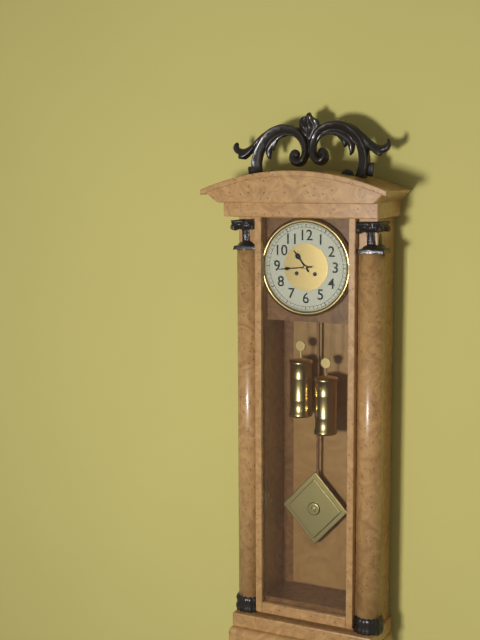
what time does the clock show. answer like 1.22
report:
10.44
